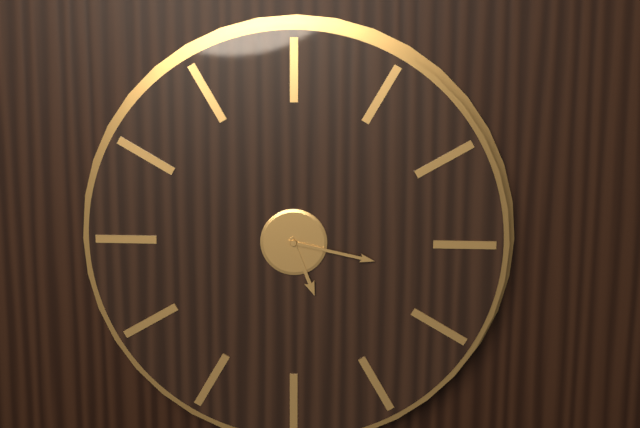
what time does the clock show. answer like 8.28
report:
5.17
